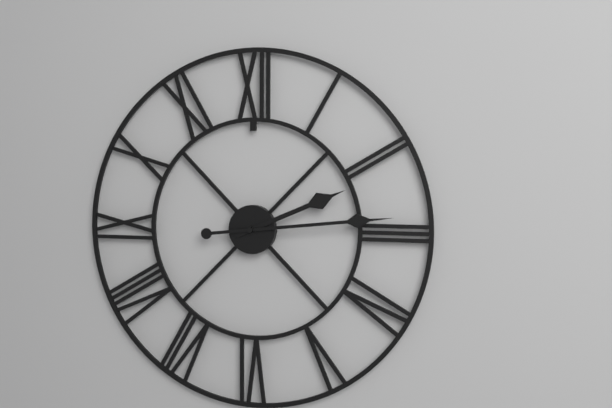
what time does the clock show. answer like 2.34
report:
2.14
